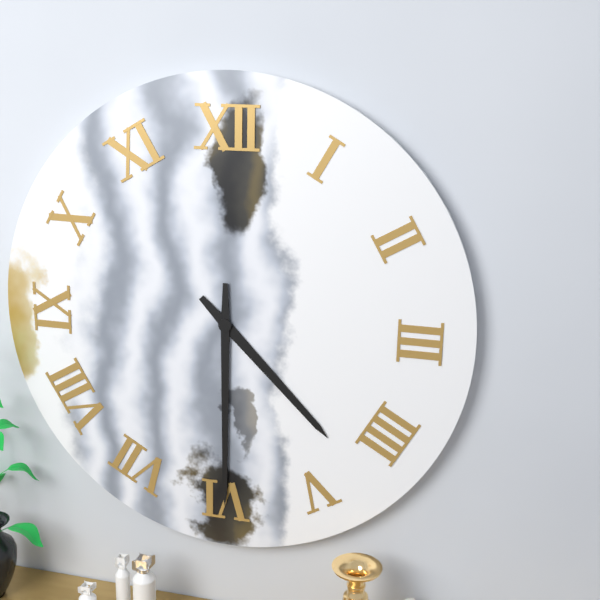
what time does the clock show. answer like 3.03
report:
4.30
